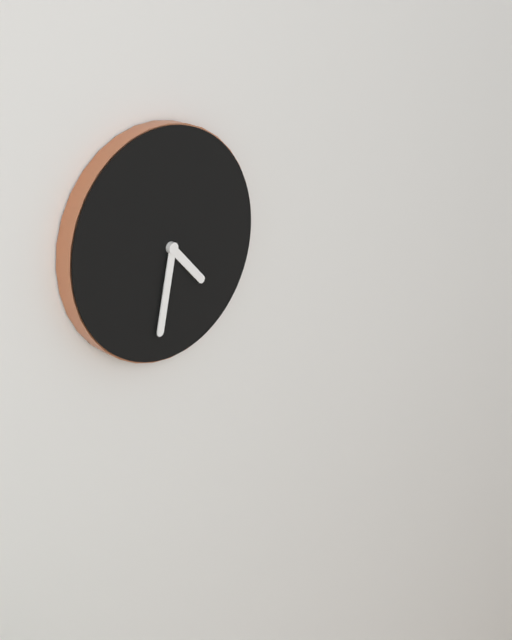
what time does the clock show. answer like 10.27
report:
4.32
